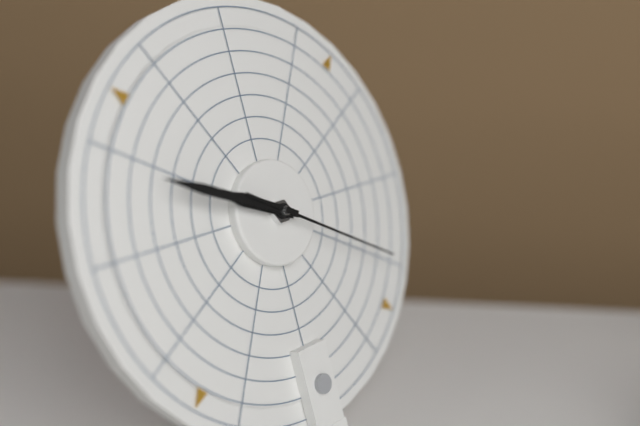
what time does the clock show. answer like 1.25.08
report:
9.49.20
